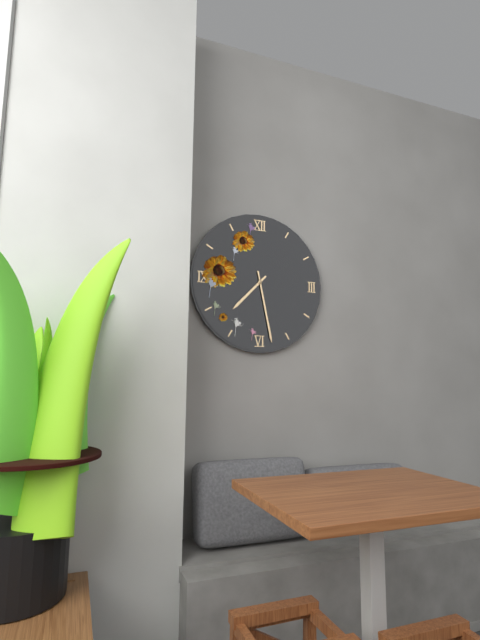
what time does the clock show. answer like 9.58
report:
7.28
